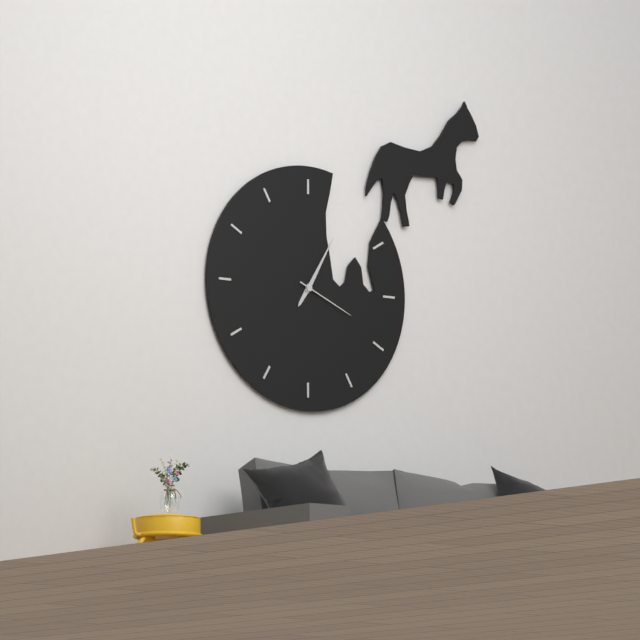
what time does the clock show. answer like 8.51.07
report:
7.05.19
